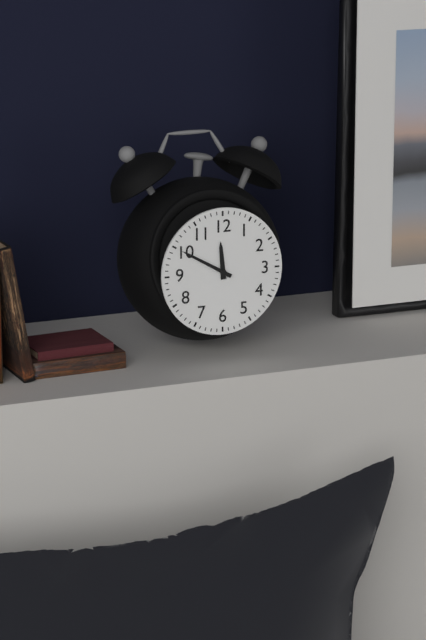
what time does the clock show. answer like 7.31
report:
11.50
